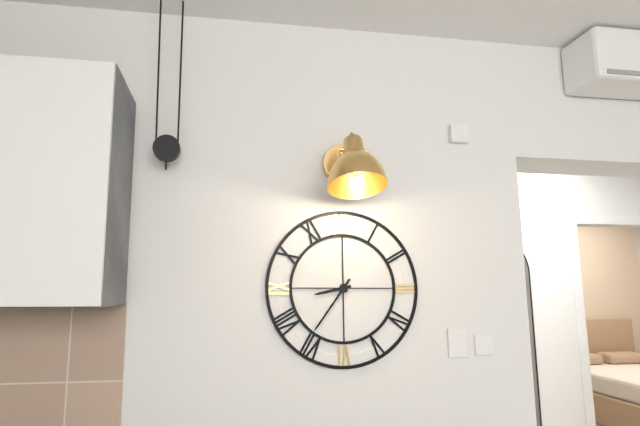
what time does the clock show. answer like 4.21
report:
8.36
